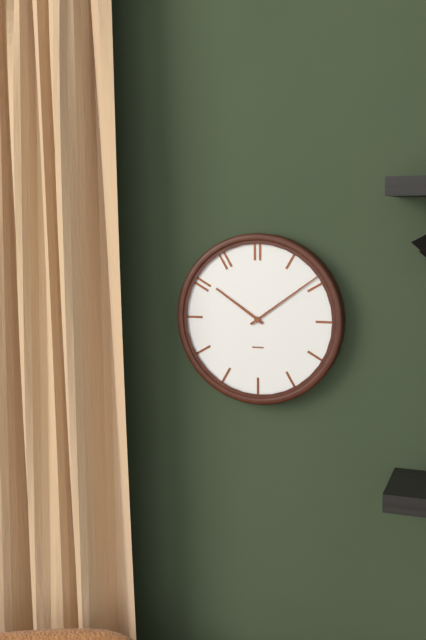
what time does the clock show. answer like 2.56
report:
10.09
